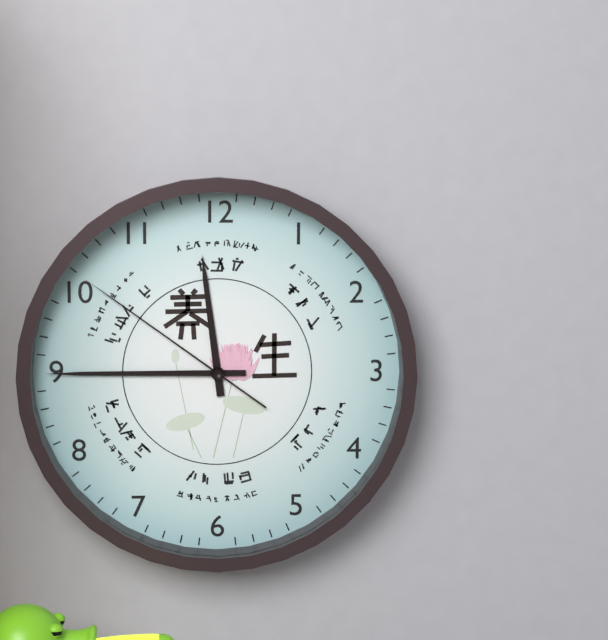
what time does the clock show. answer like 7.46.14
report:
11.45.51
